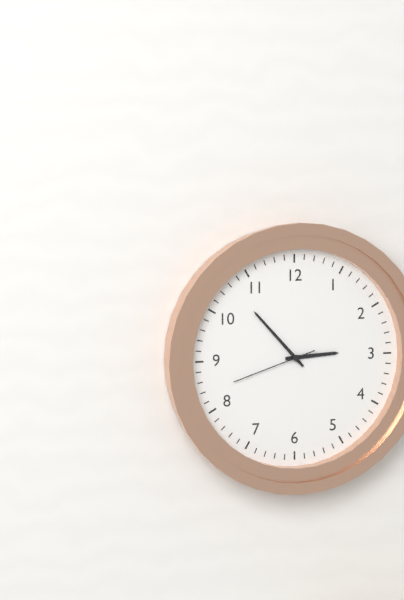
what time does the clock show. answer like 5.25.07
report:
2.53.42
